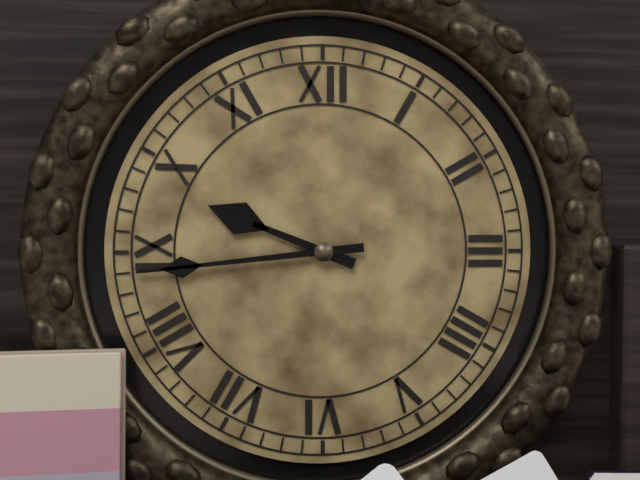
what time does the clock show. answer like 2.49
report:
9.44
